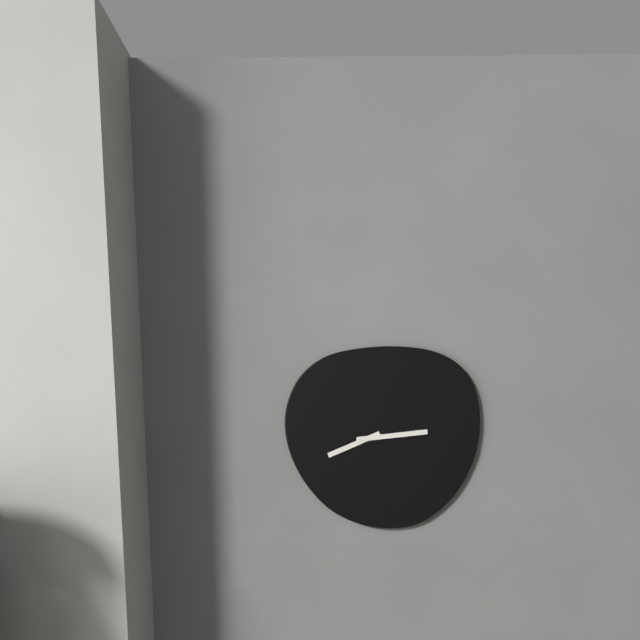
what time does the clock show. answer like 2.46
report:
8.14
